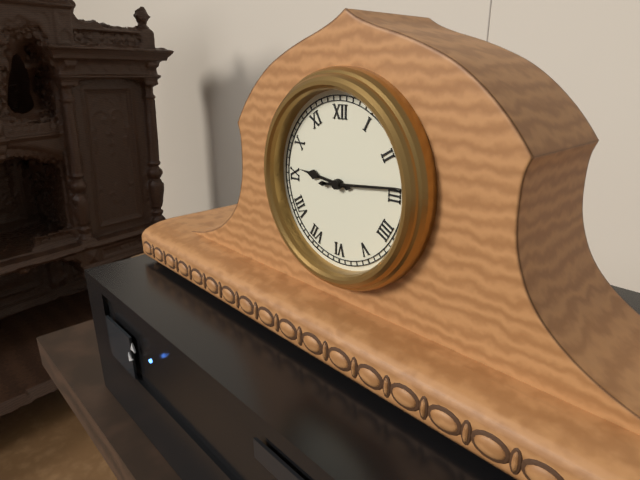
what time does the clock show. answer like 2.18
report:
9.14
